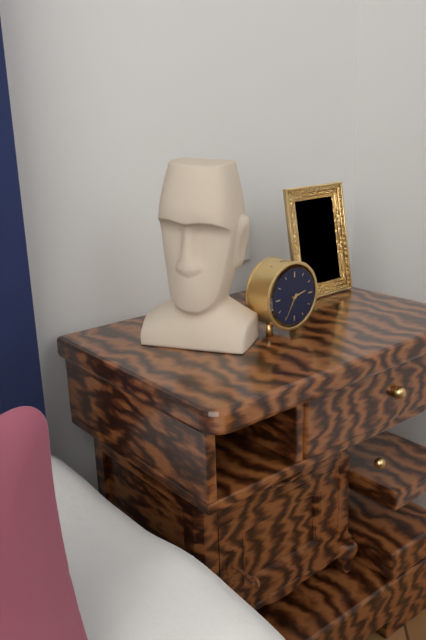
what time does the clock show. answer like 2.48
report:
2.35
